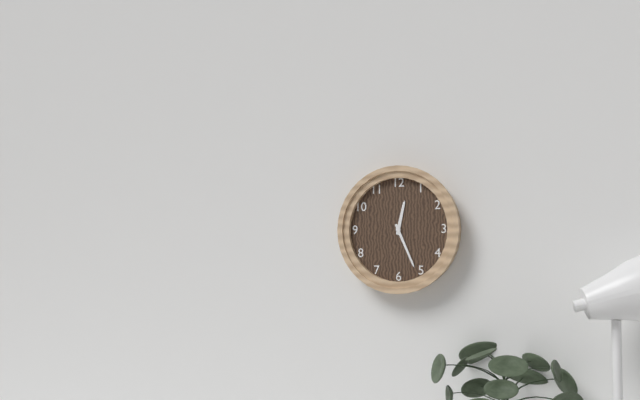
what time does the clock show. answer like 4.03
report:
12.26
